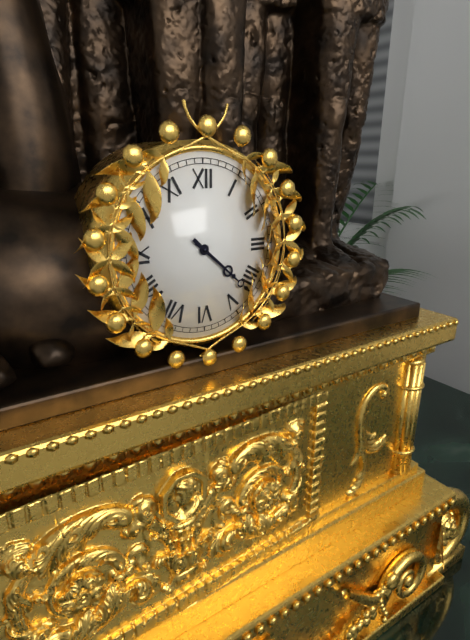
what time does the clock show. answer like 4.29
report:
4.22
